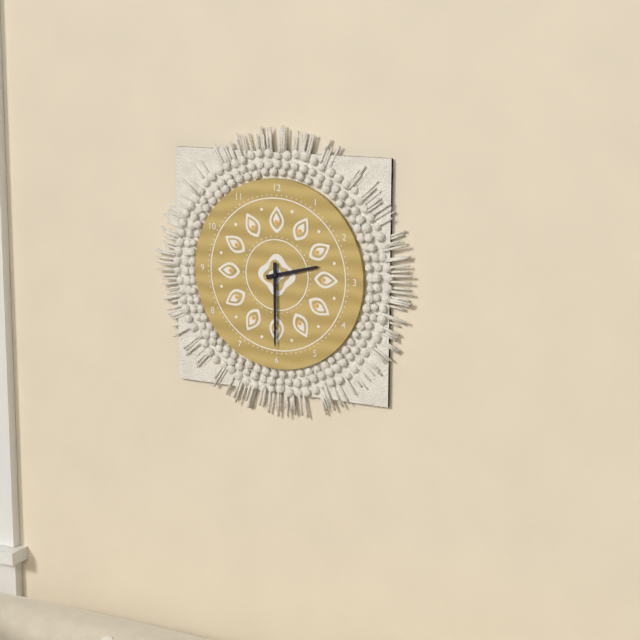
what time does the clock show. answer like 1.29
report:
2.30
